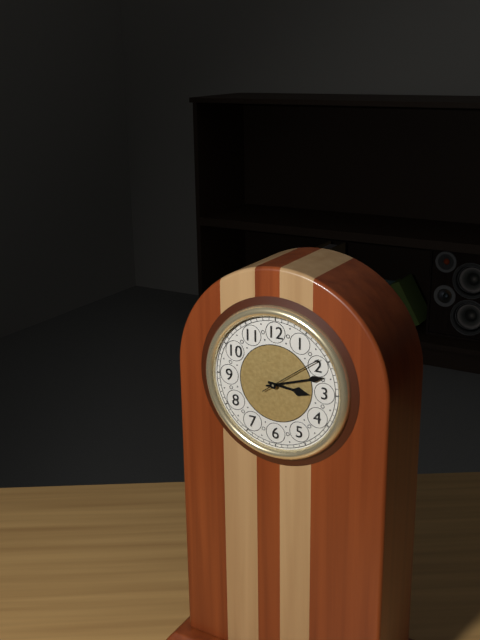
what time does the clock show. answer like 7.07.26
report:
3.12.09
